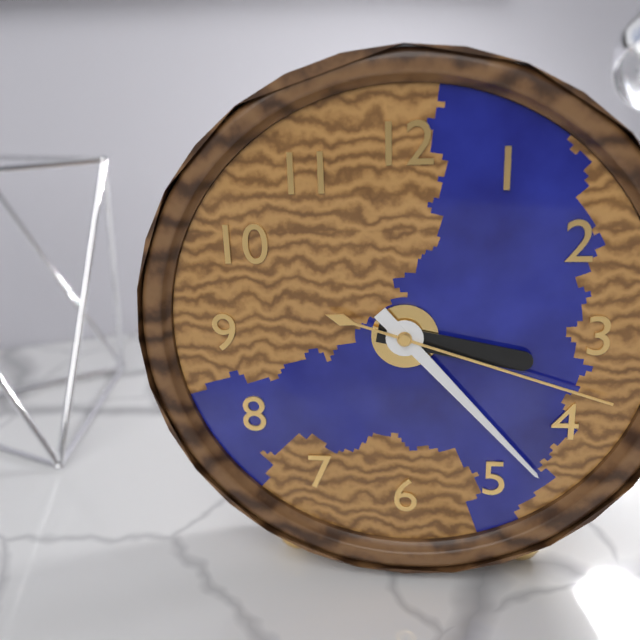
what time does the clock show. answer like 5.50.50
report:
3.23.18
